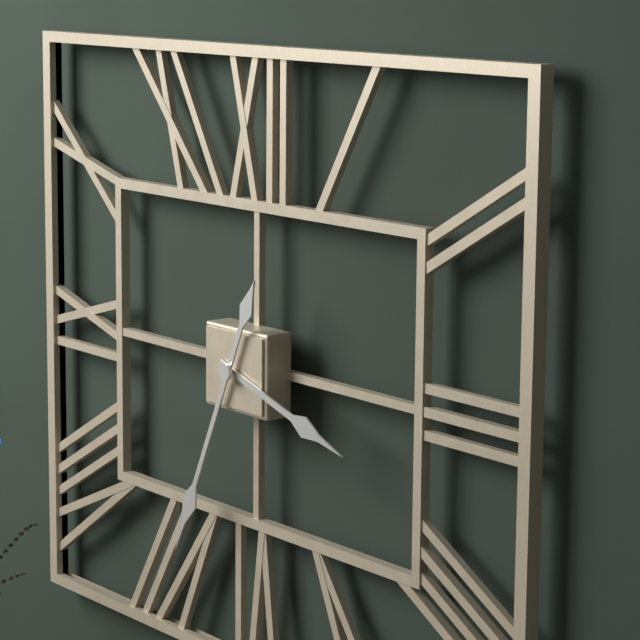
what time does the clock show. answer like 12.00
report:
3.34
